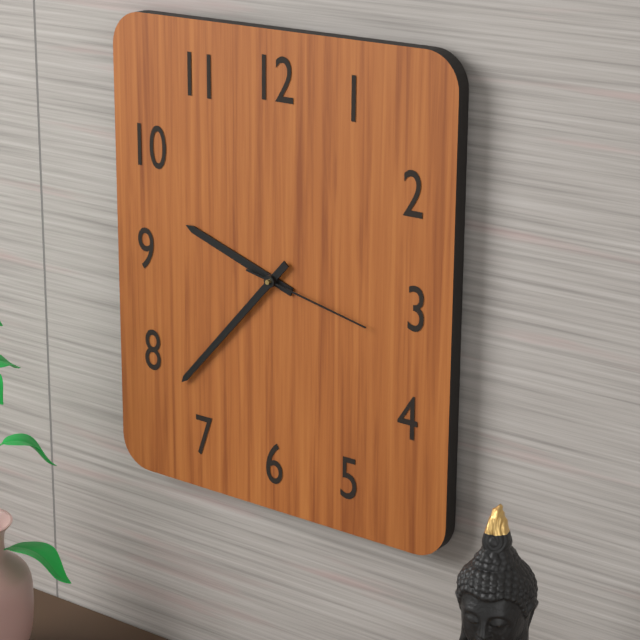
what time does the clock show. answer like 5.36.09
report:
9.37.17
